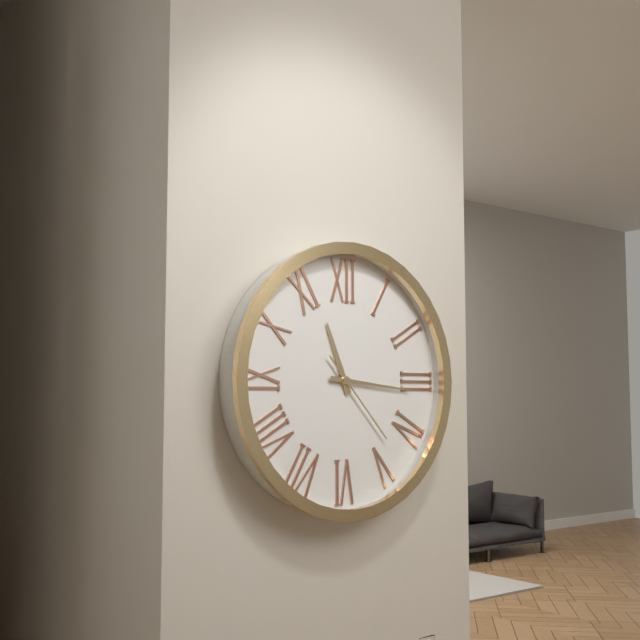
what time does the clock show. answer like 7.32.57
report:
11.16.23
